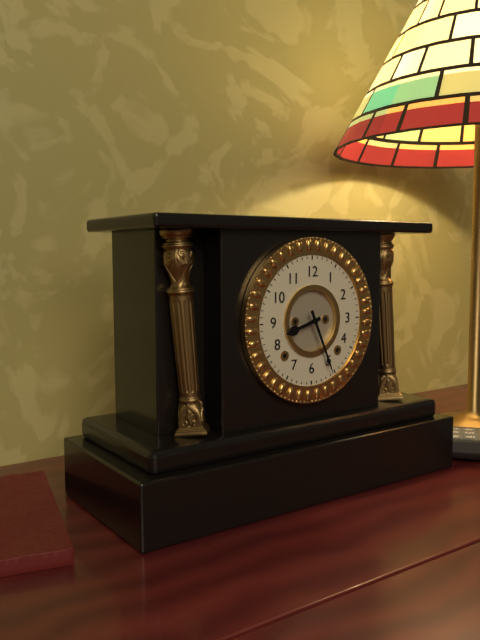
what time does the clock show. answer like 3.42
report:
8.26
